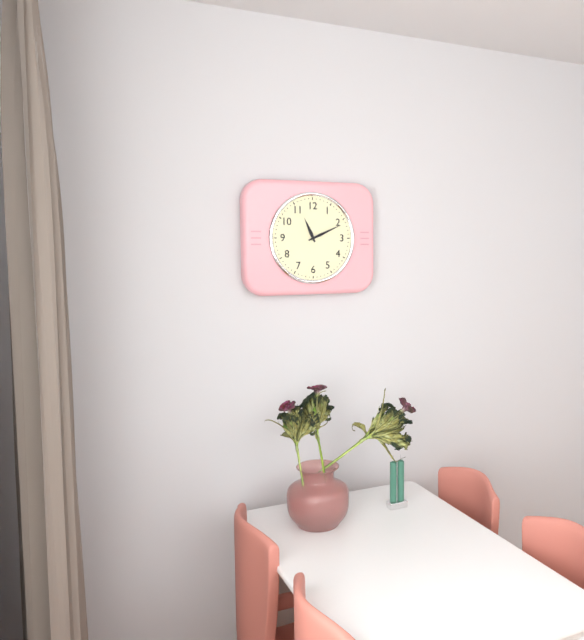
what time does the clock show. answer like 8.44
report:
11.11
